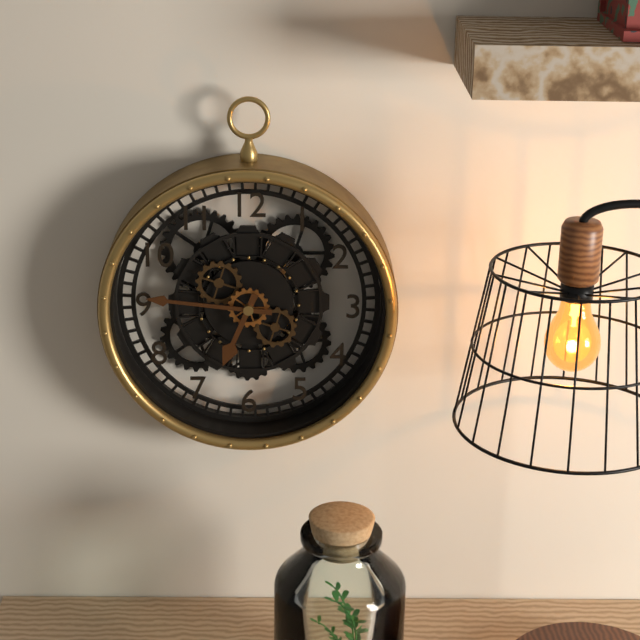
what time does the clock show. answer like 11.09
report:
6.46
